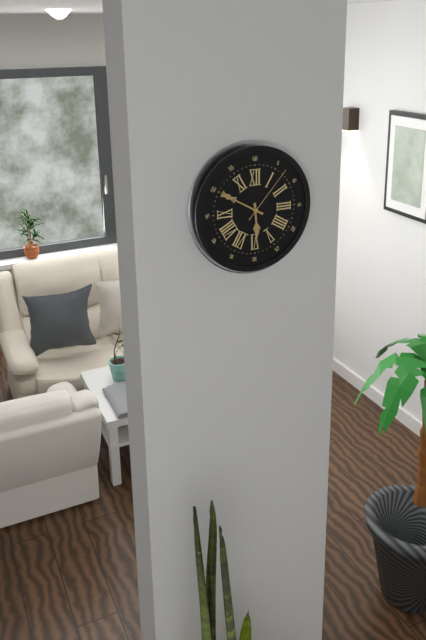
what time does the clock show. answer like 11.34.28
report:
5.50.07
